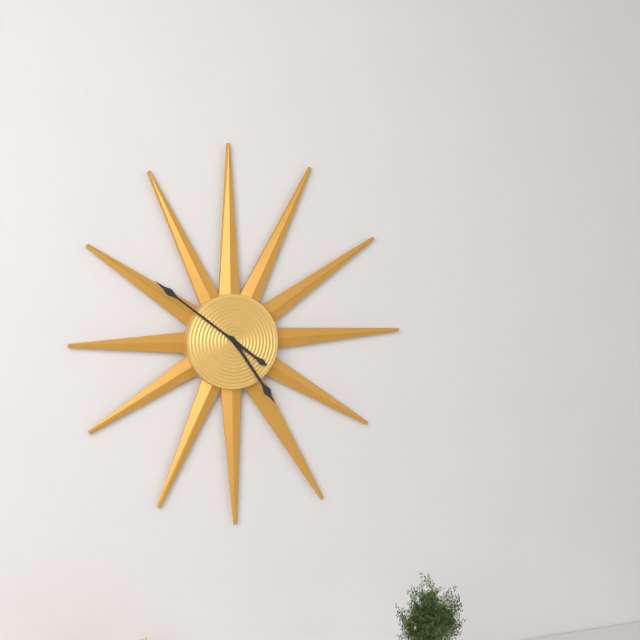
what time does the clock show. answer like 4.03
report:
4.51
